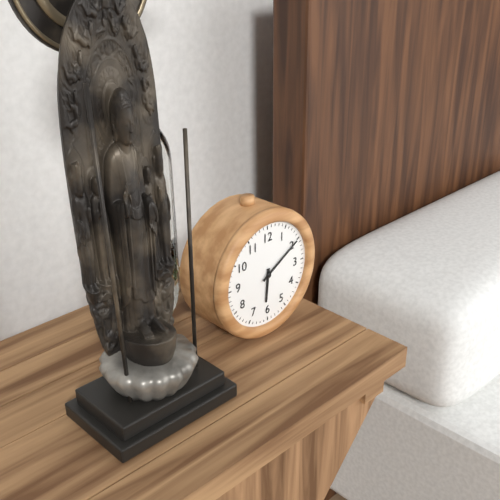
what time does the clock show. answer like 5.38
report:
6.10
